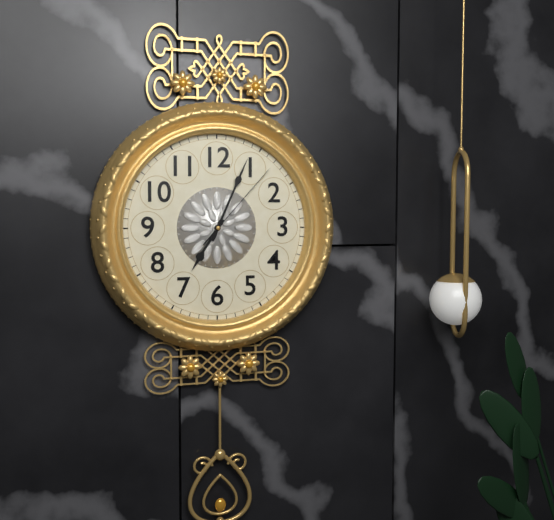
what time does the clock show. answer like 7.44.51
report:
7.04.07
